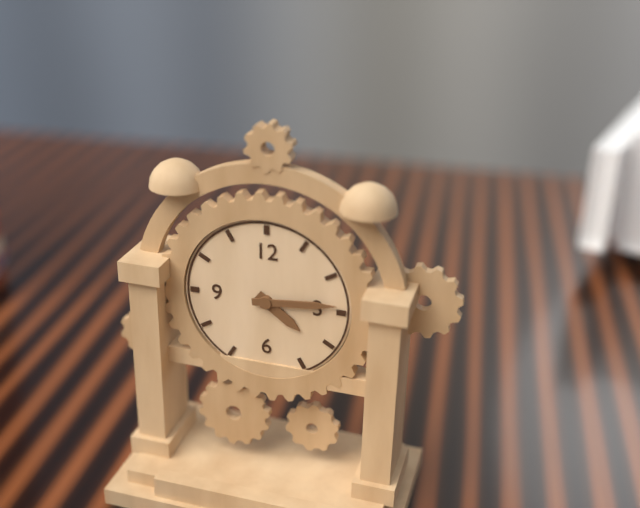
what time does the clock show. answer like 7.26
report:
4.14
